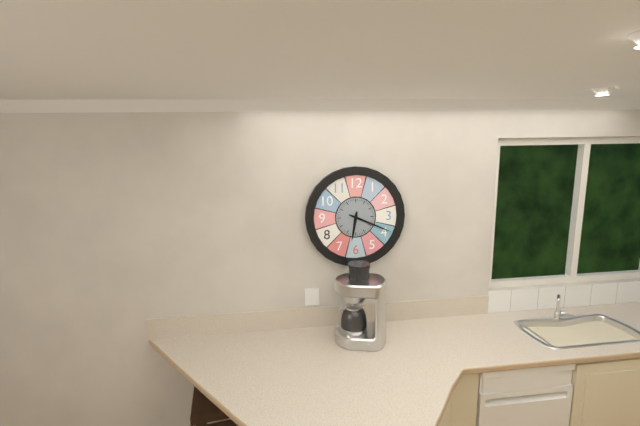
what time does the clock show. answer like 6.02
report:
6.19
